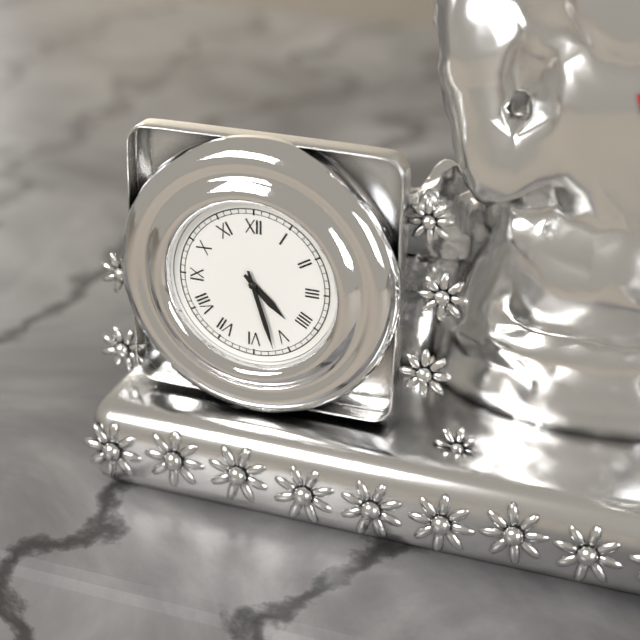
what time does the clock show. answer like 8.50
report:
4.27
